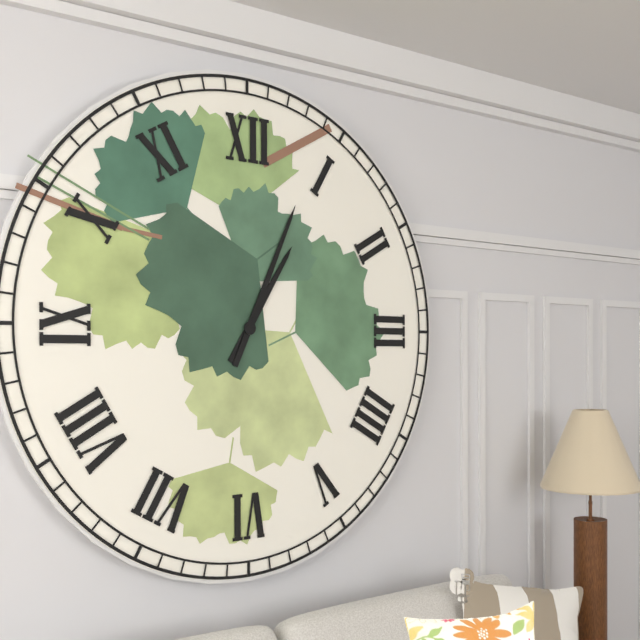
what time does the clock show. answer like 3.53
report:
1.04
